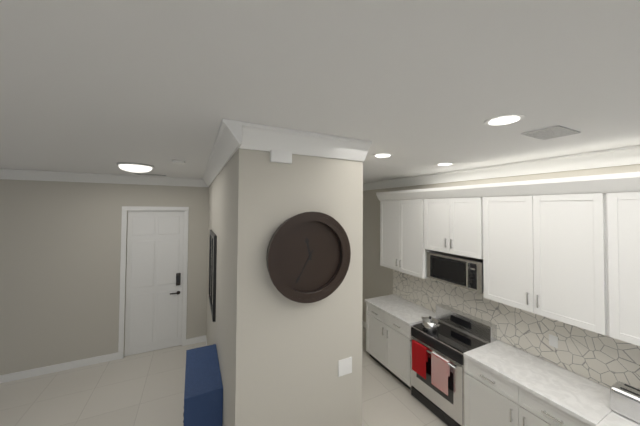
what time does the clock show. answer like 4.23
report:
11.35
